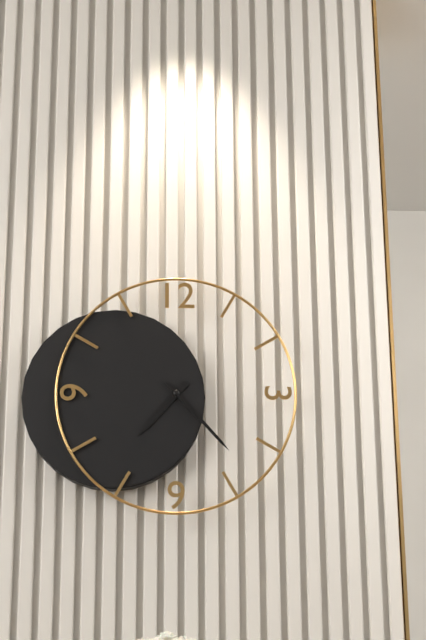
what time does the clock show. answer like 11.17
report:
7.23
